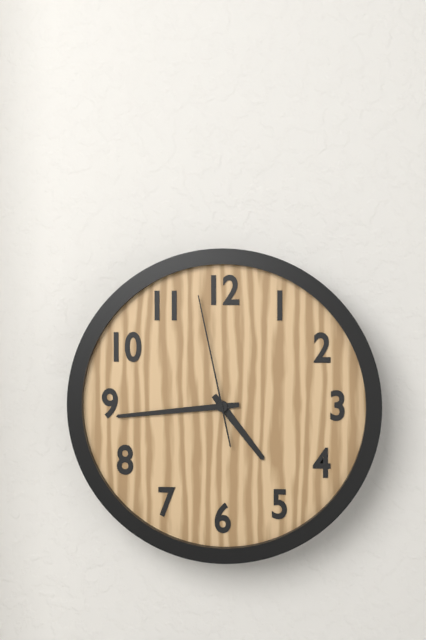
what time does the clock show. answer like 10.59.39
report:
4.44.58
